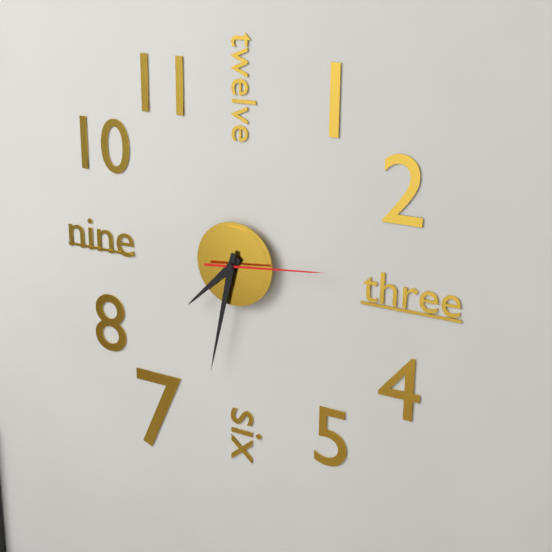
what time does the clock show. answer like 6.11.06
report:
7.32.14
